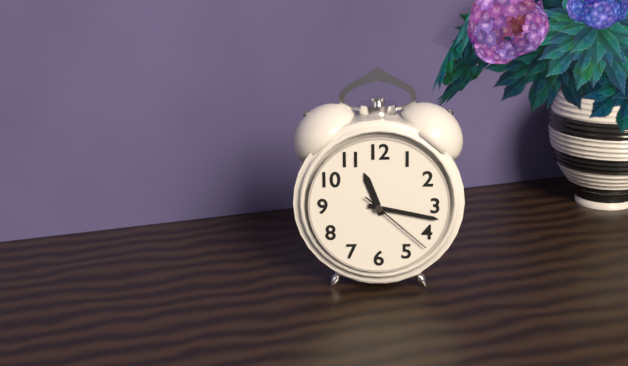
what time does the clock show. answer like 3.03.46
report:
11.17.22
